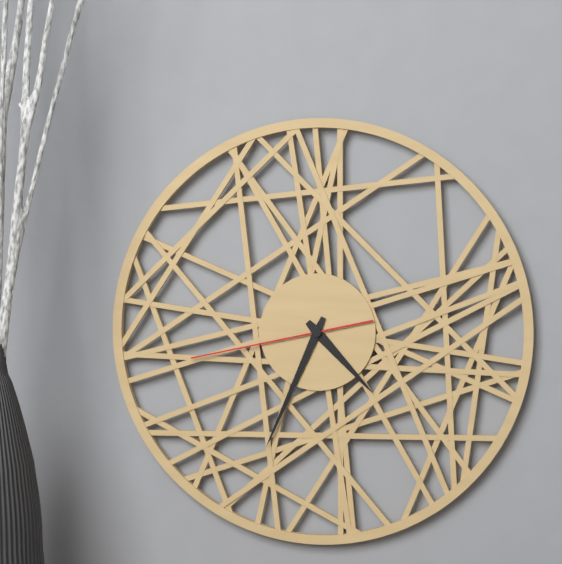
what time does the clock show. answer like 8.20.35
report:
4.34.43
